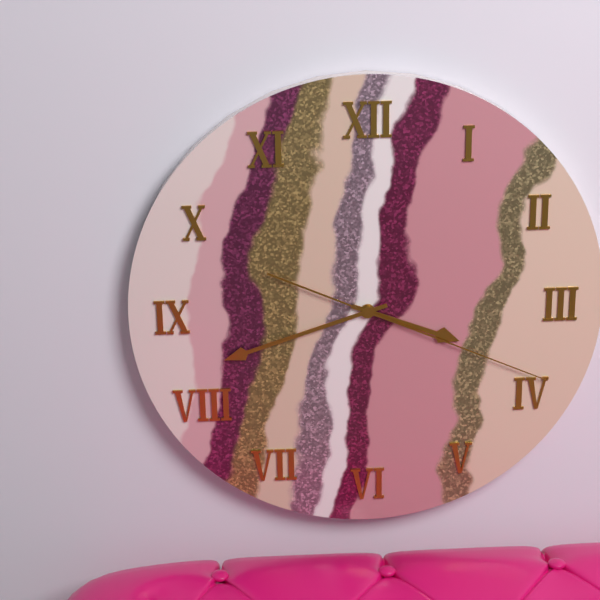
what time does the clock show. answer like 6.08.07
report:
3.42.19
